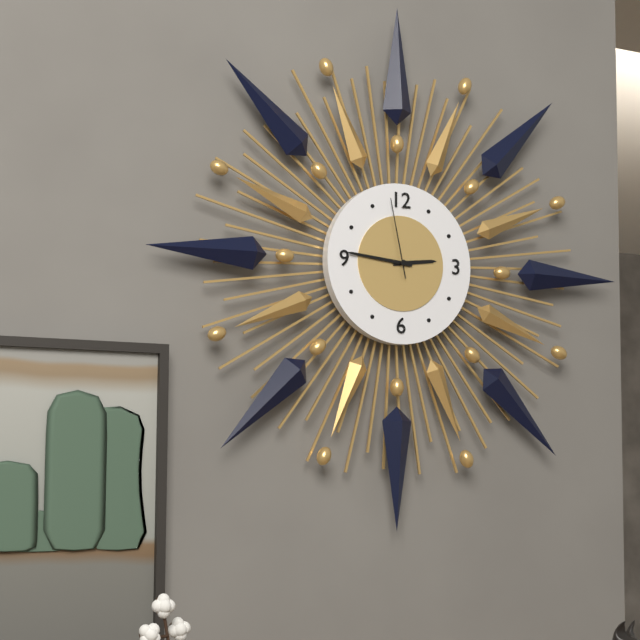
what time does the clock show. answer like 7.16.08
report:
2.46.58
